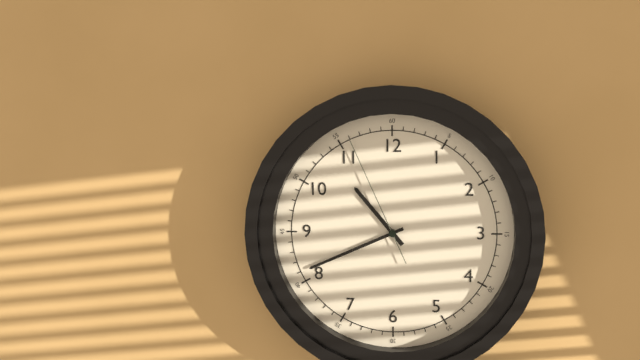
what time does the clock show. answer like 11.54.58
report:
10.41.56
